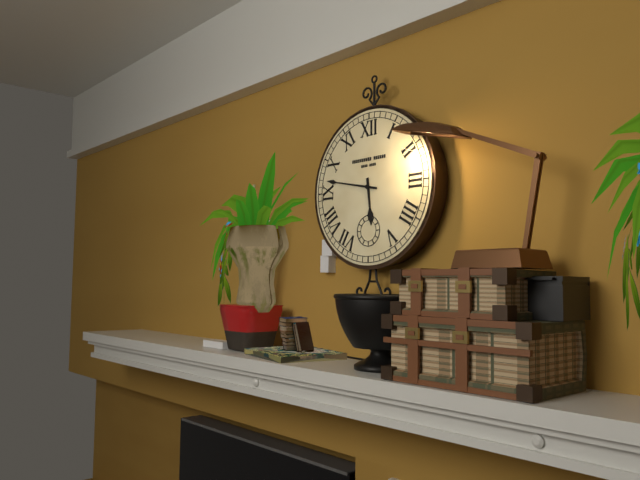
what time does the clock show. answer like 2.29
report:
5.47
